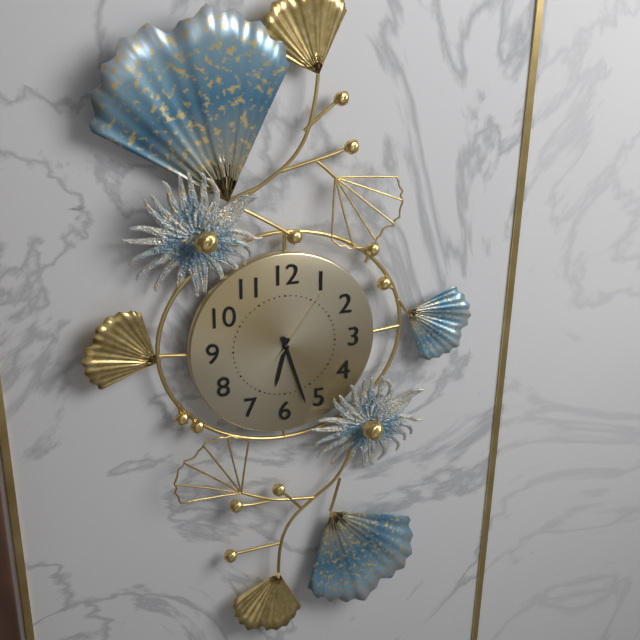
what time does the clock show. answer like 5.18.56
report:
6.27.06
